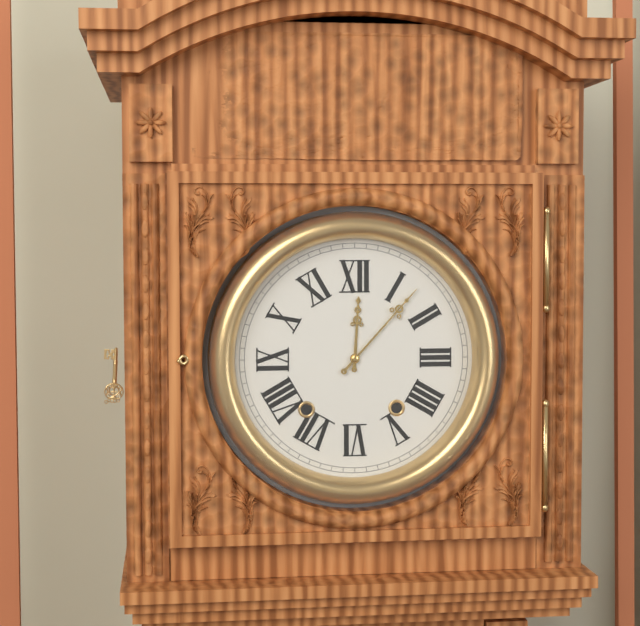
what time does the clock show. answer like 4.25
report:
12.07
